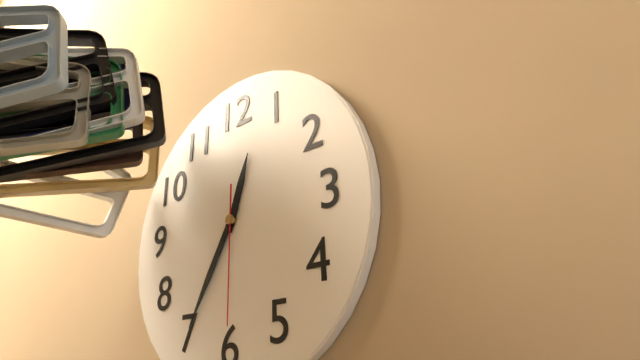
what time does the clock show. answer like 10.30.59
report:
12.35.30
